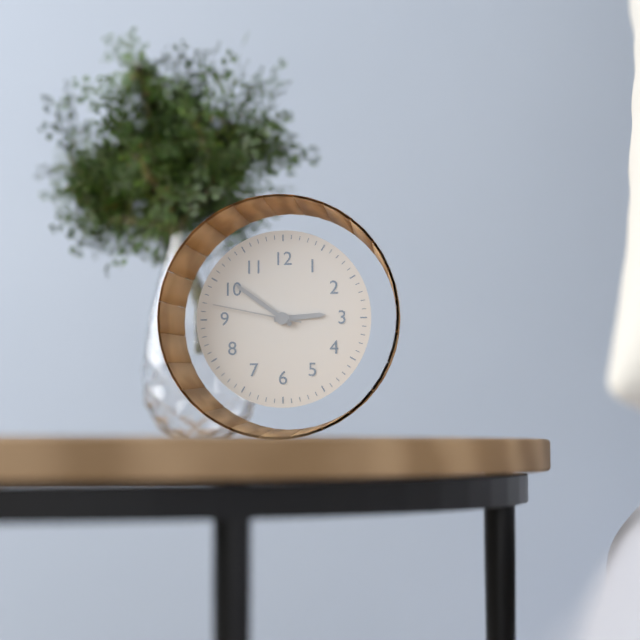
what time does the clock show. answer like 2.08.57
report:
2.51.47
